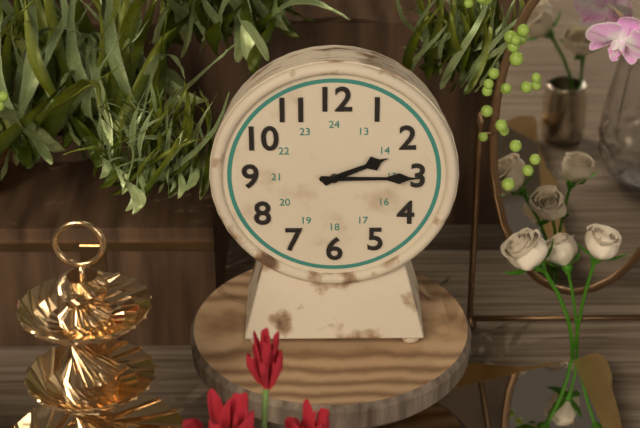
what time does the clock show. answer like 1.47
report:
2.15
